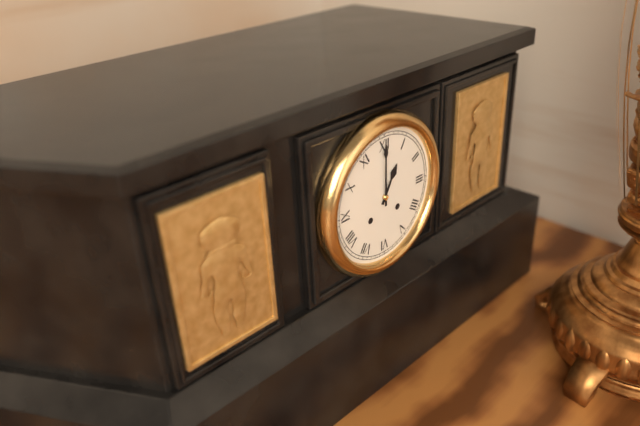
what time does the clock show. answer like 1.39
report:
1.00
